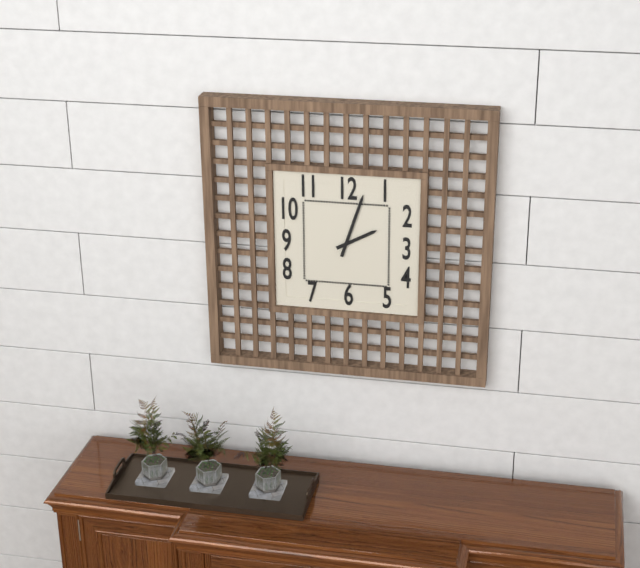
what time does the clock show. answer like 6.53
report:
2.03
